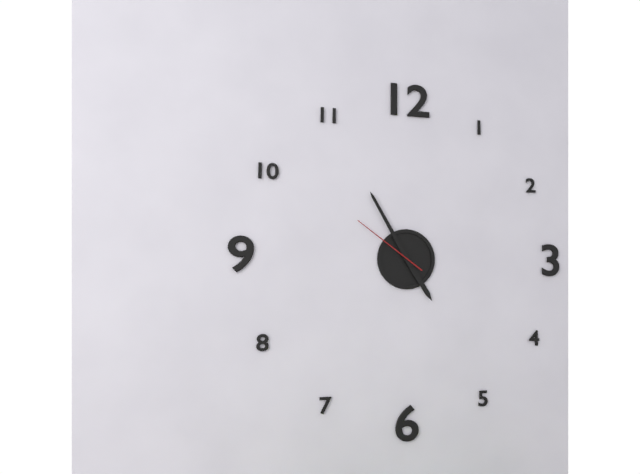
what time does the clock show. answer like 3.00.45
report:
4.55.51
